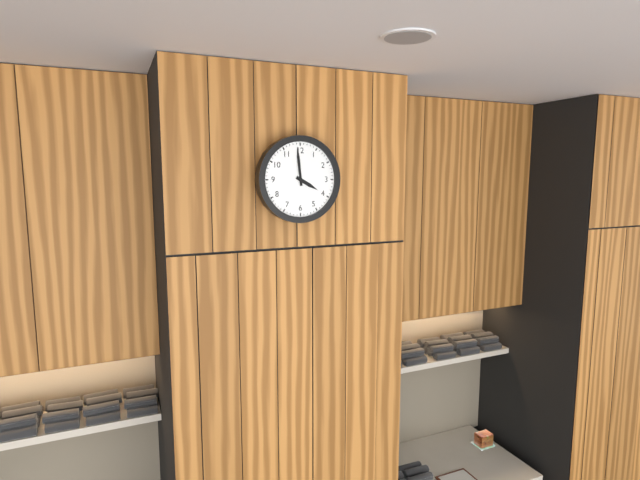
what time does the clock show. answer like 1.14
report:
3.59
